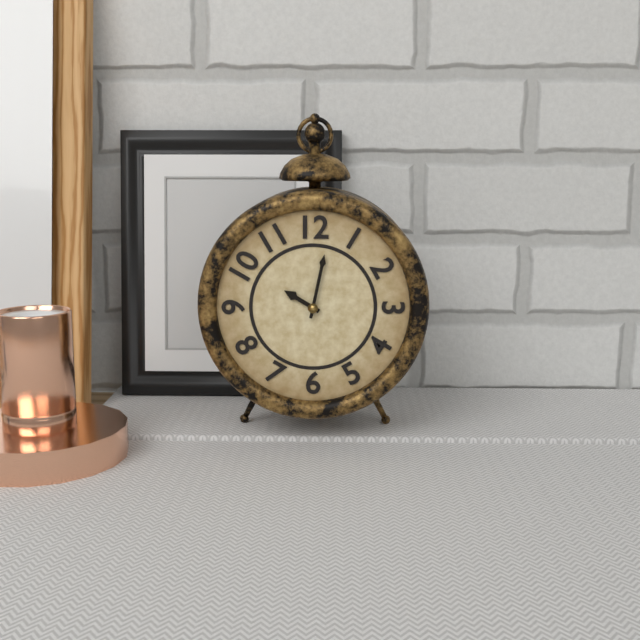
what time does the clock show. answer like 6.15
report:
10.02
